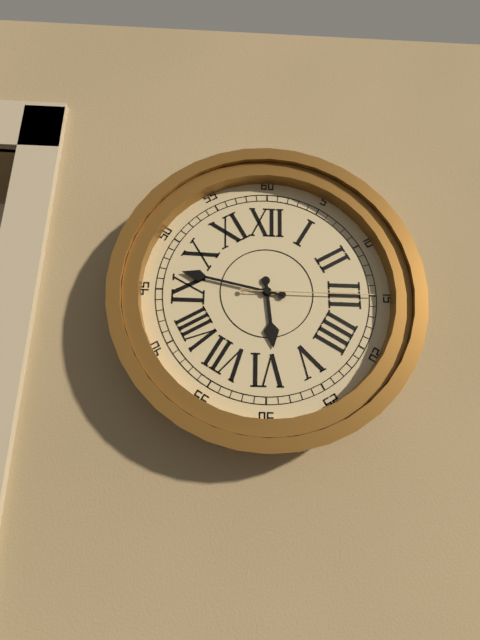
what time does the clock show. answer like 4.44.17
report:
5.47.15
